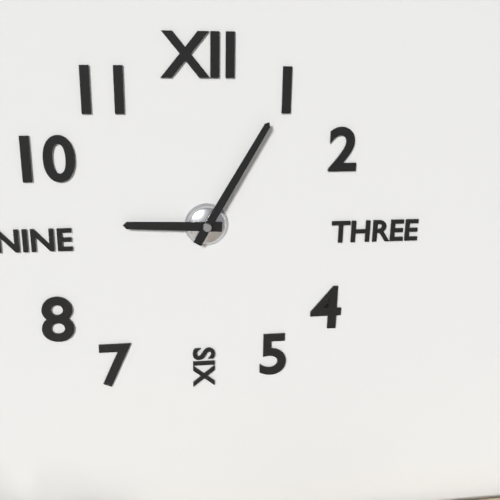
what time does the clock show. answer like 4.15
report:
9.05
